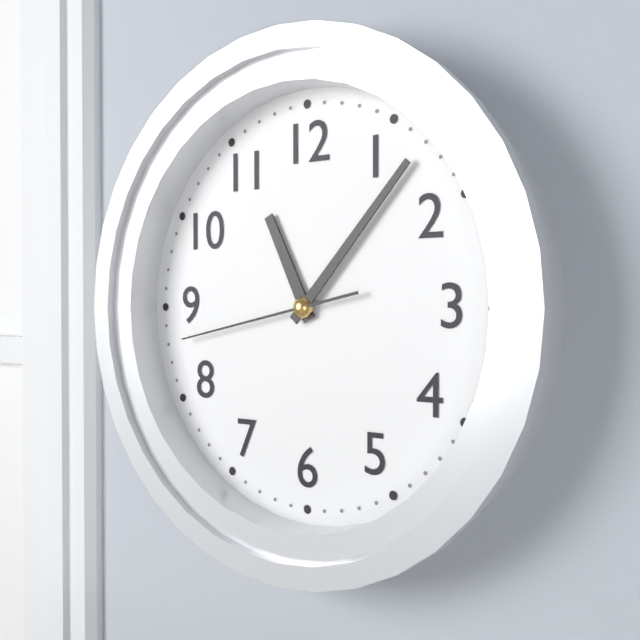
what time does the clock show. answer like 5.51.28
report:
11.07.43
